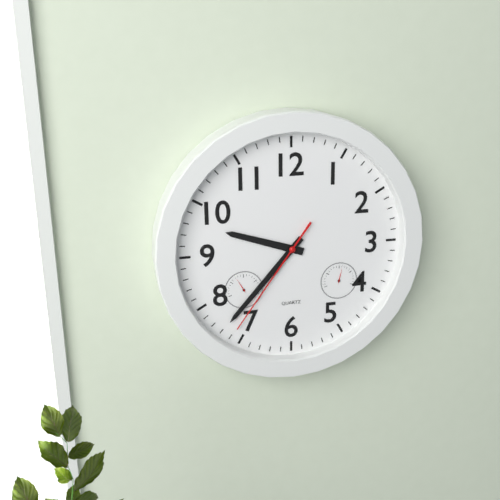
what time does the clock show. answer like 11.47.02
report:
9.37.36
